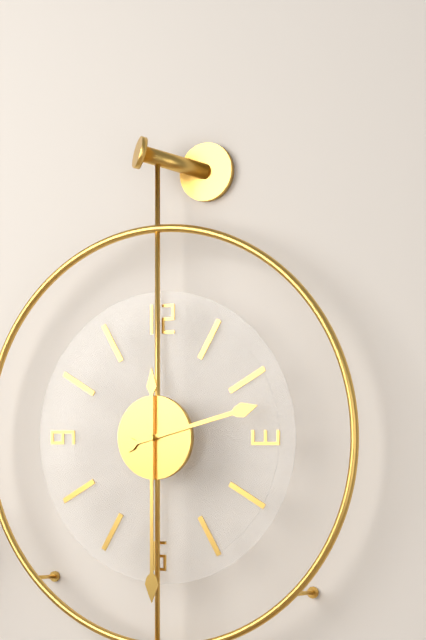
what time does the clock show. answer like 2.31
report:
2.30
